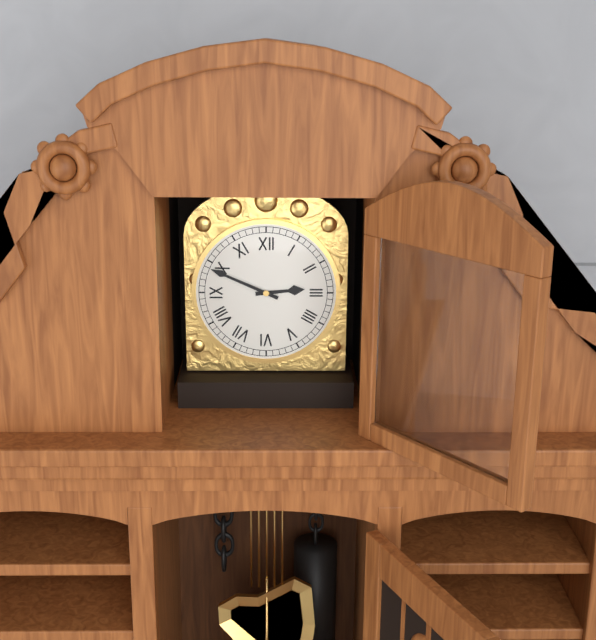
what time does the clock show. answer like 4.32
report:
2.49
